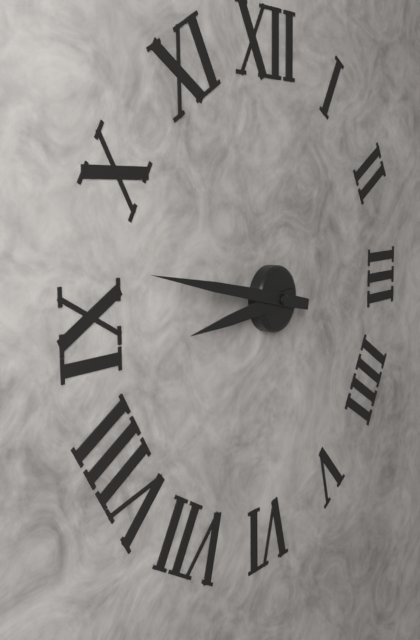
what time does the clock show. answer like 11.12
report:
8.47
